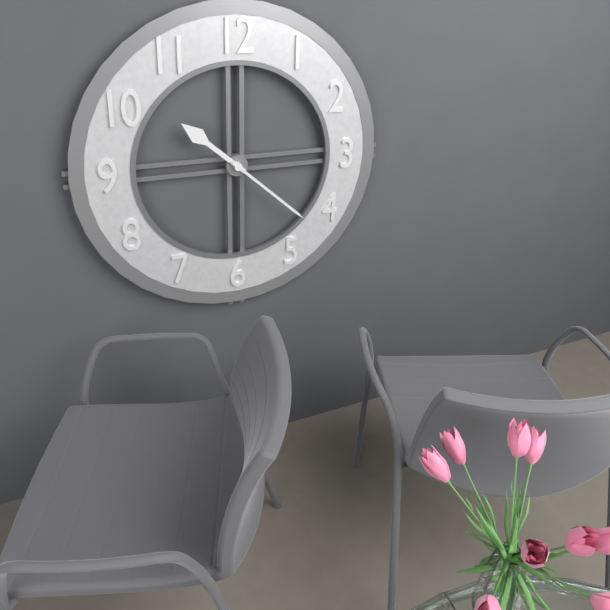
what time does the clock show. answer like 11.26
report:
10.22
